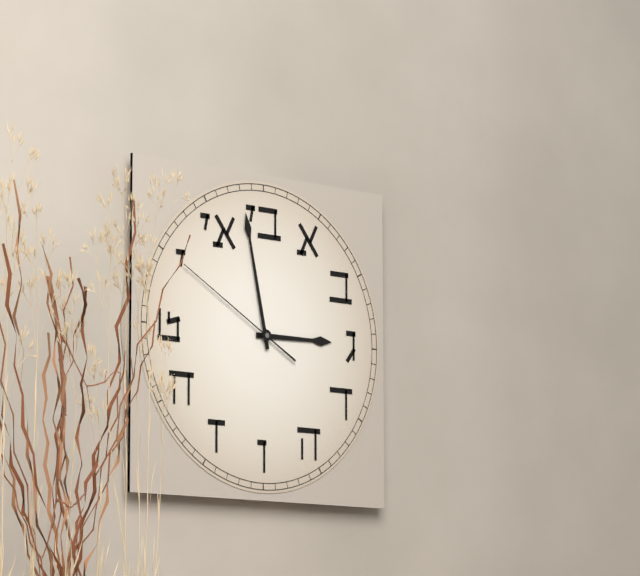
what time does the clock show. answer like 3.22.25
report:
2.58.50
